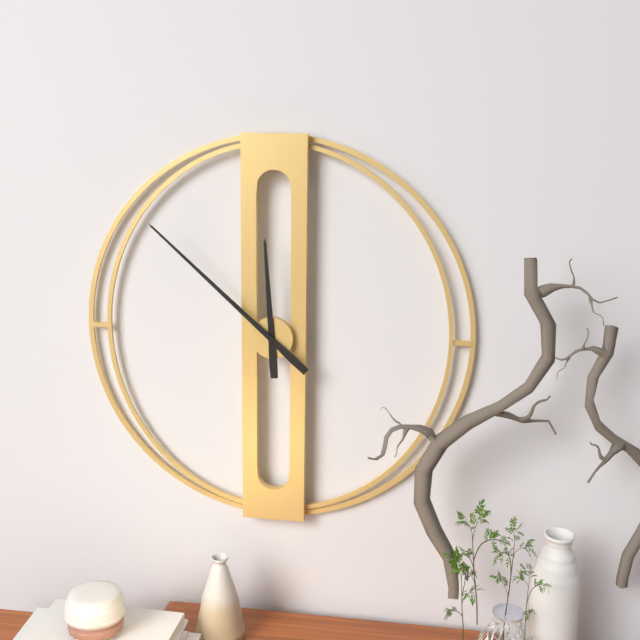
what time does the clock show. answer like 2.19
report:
11.52
